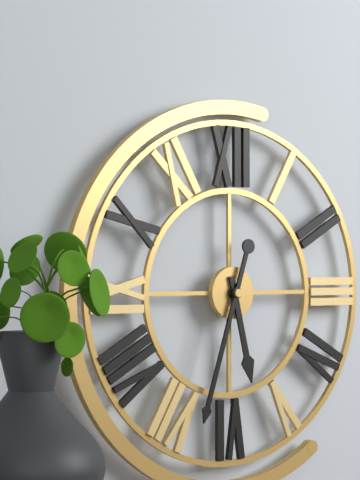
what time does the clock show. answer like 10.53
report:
5.33
